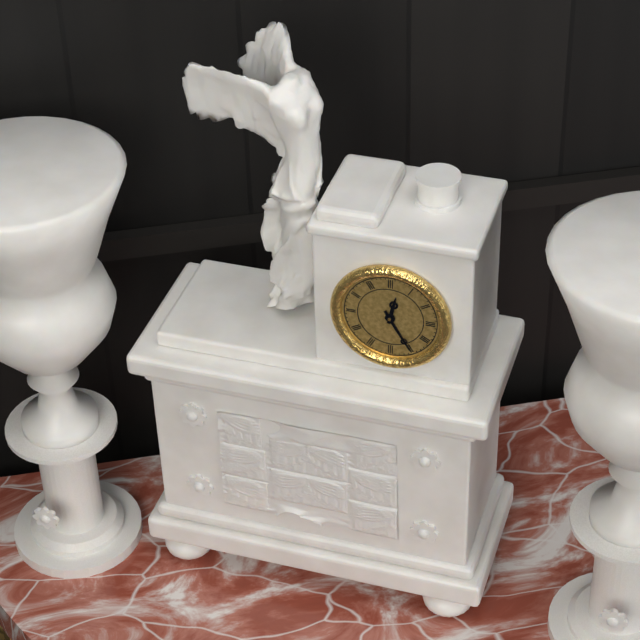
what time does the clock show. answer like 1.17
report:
12.25
